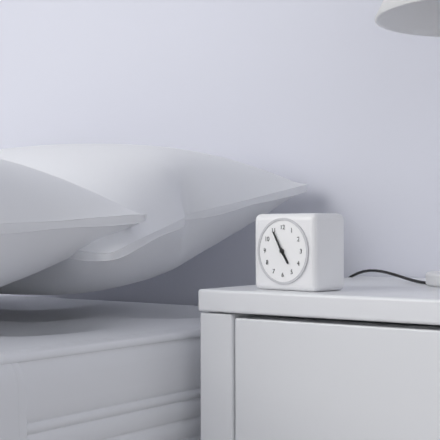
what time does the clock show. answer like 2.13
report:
4.55
